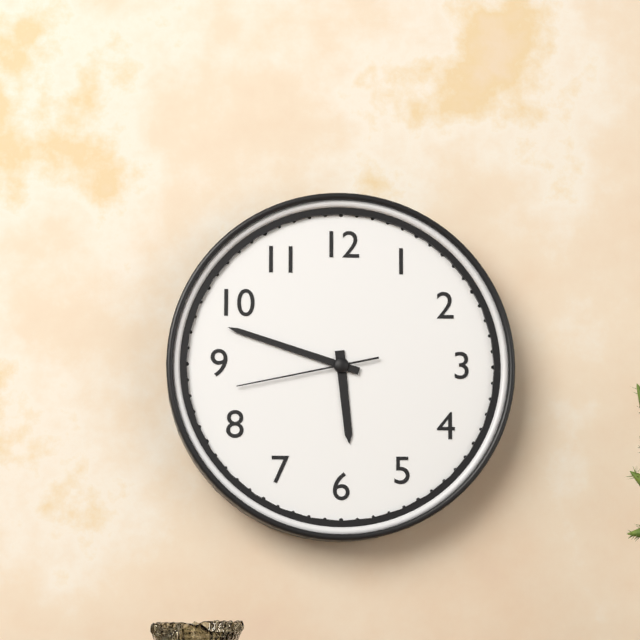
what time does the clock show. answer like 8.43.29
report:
5.48.43
